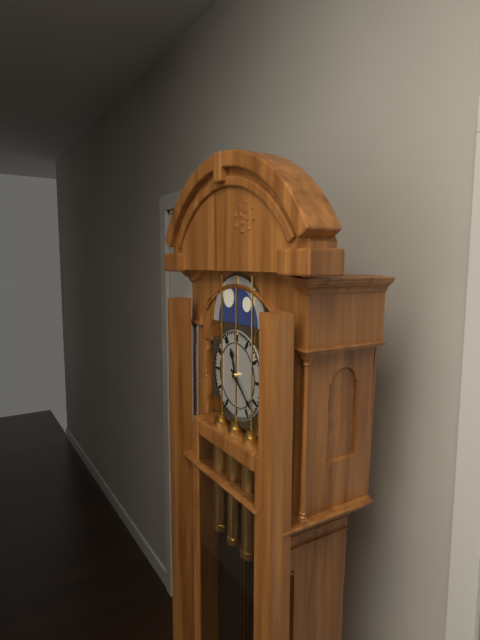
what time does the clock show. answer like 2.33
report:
11.22
